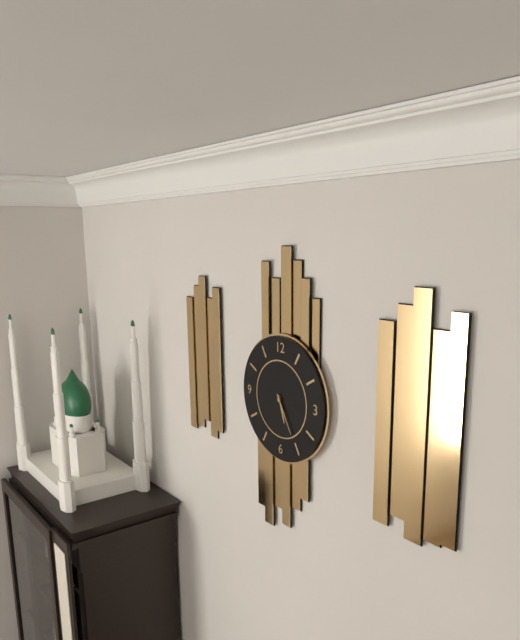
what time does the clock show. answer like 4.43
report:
5.25
